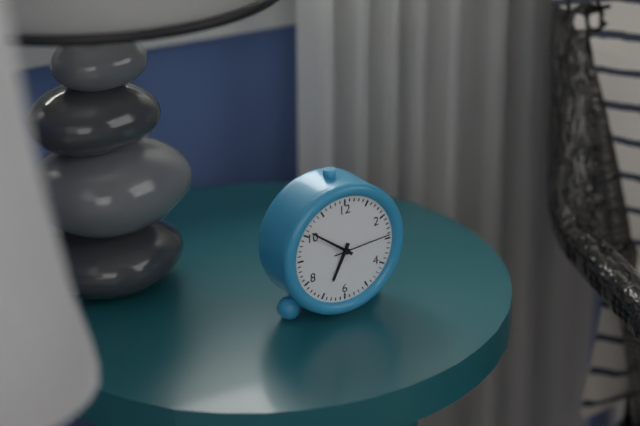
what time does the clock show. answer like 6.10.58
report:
6.51.14
